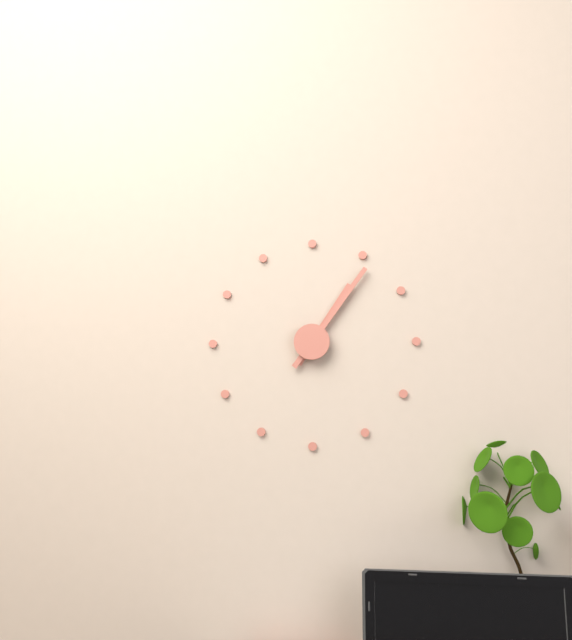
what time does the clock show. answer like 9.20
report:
1.06
